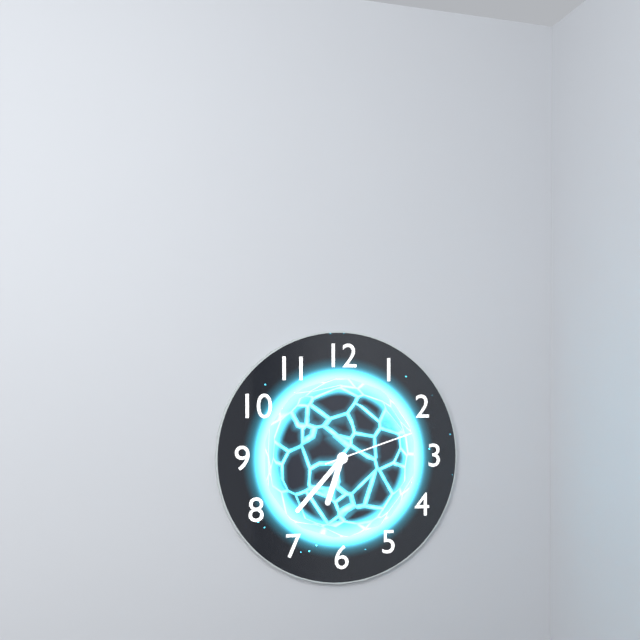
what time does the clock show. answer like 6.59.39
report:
6.37.12
